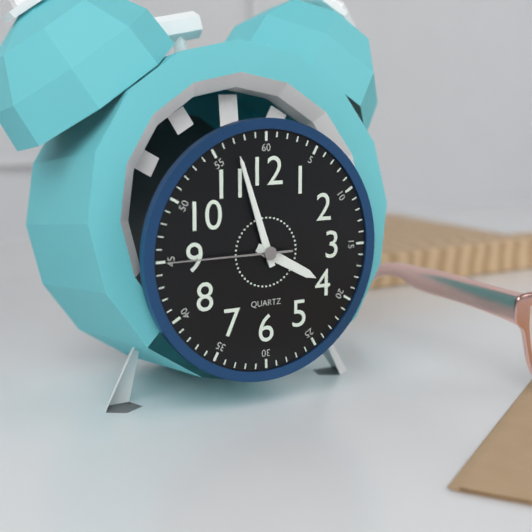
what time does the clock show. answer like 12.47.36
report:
3.57.45
